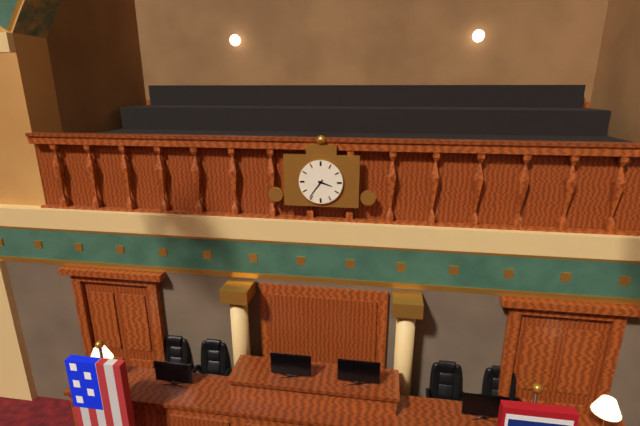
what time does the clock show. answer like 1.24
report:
3.36
